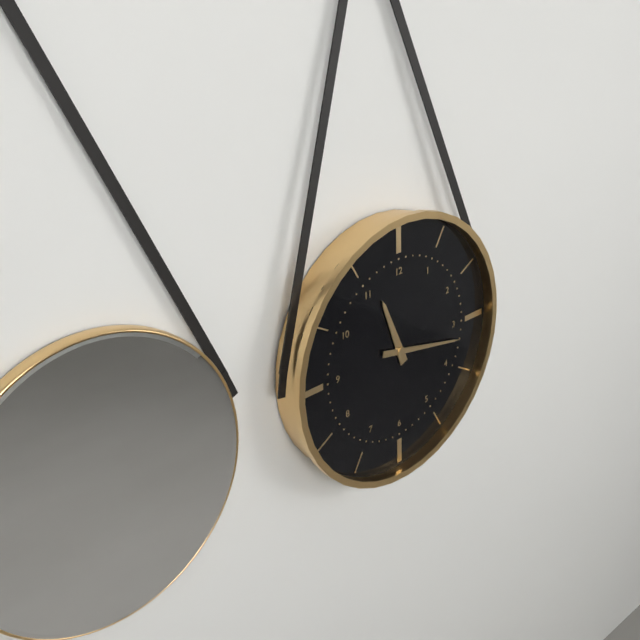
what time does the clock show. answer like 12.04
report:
11.17
